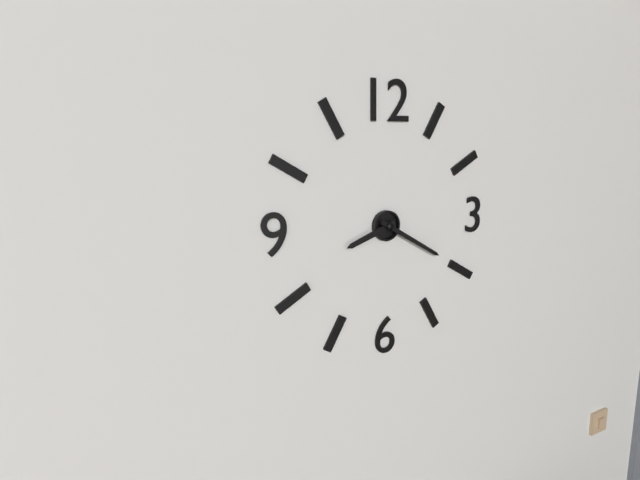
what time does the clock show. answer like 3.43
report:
8.20
